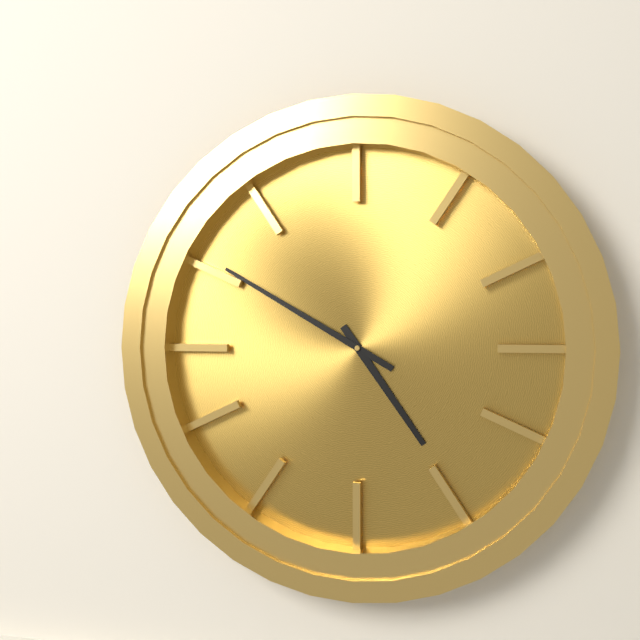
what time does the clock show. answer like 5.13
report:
4.50
